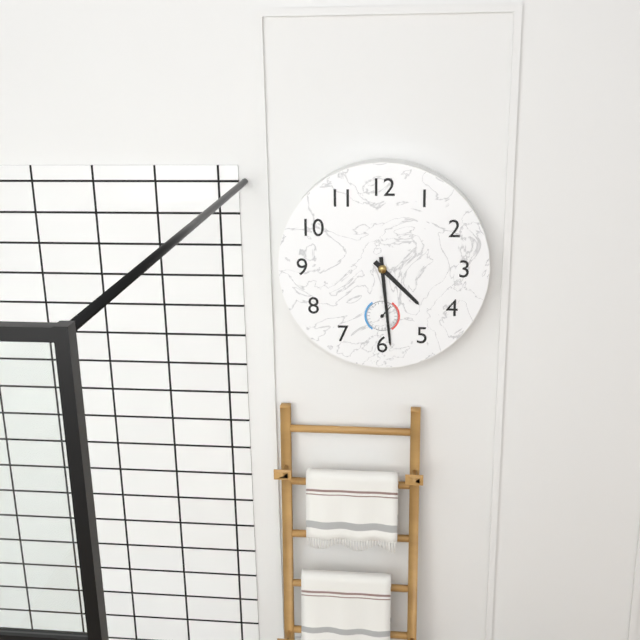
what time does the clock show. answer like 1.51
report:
4.29
